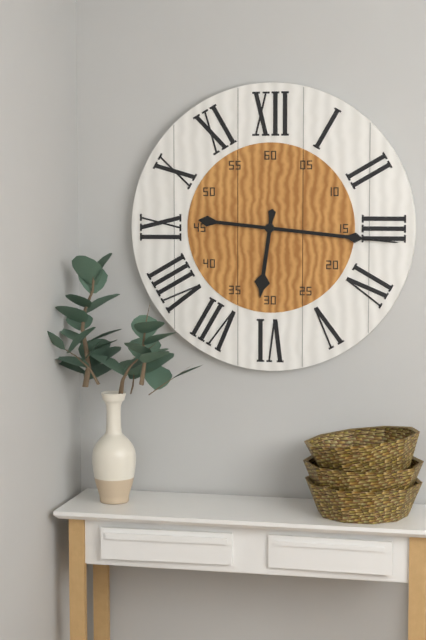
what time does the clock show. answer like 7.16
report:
6.16
